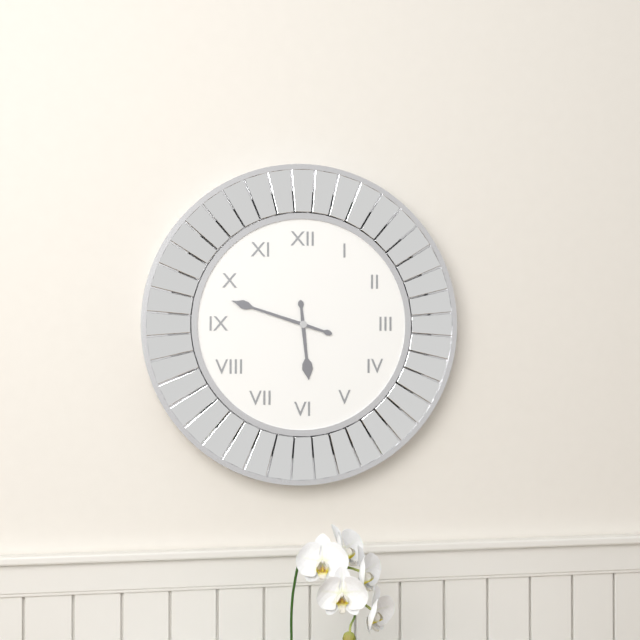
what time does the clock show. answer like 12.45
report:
5.48
